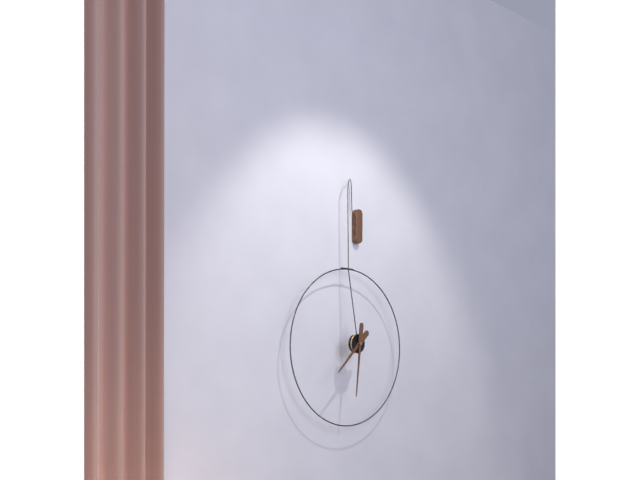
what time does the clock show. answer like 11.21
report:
7.31
